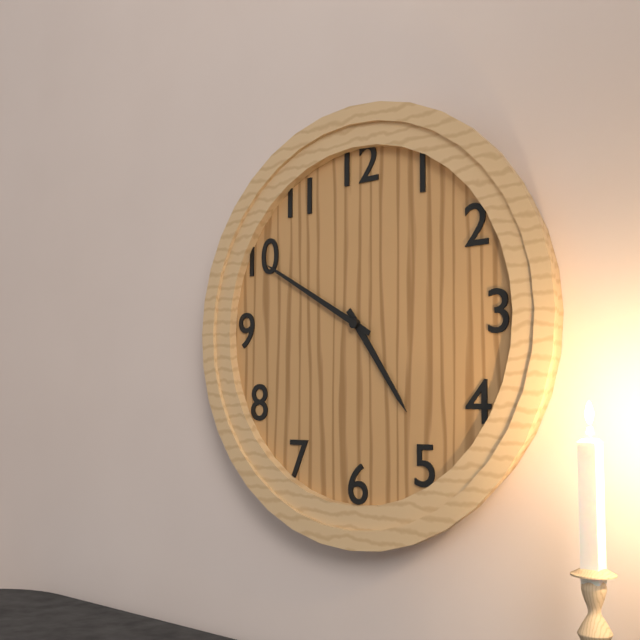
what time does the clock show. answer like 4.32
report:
4.50
